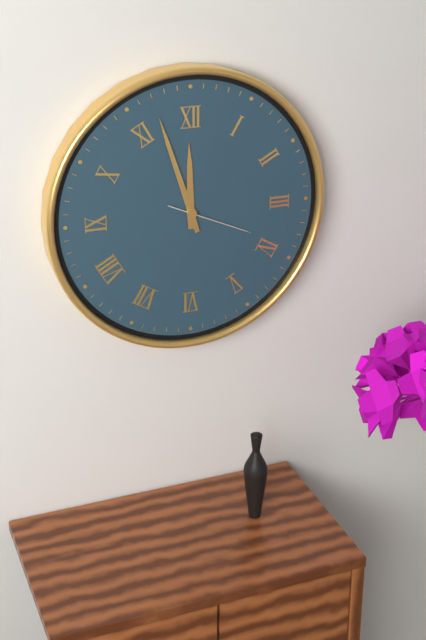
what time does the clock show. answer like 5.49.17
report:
11.57.19
